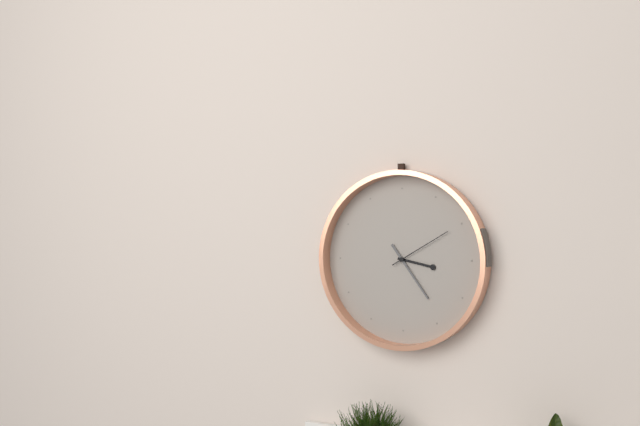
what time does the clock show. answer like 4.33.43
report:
3.24.10
